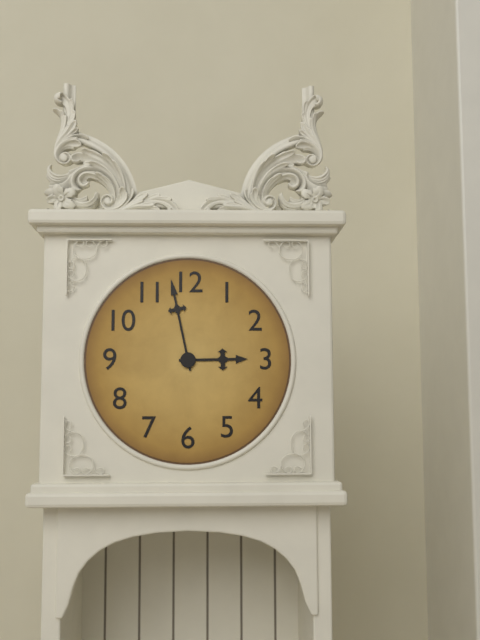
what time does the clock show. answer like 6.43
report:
2.58
